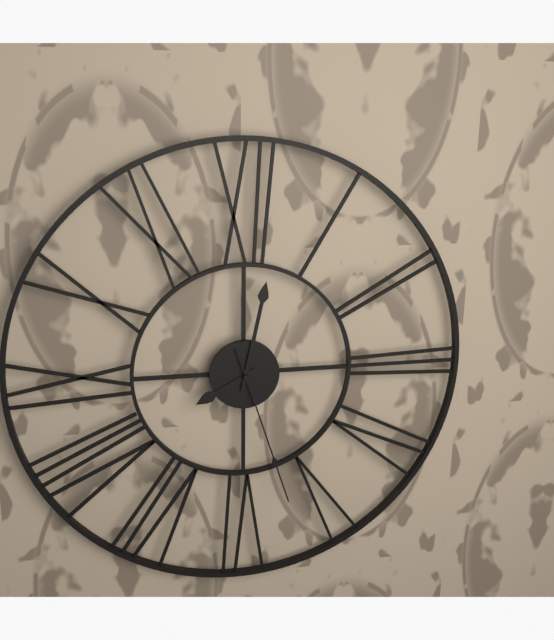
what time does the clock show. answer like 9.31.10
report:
8.02.27
